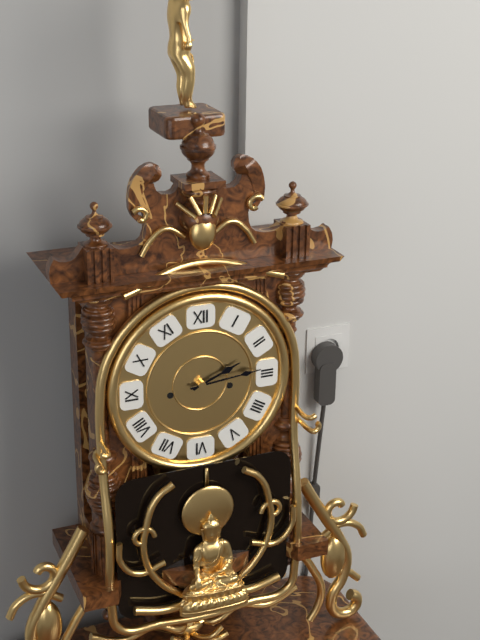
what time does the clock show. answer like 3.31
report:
2.14
